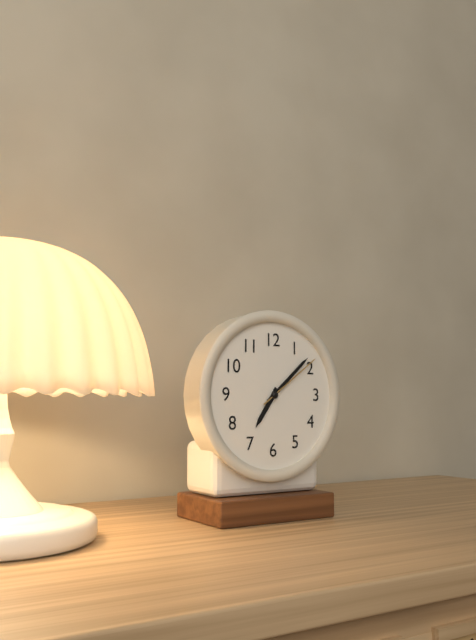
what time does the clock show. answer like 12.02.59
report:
7.08.09
